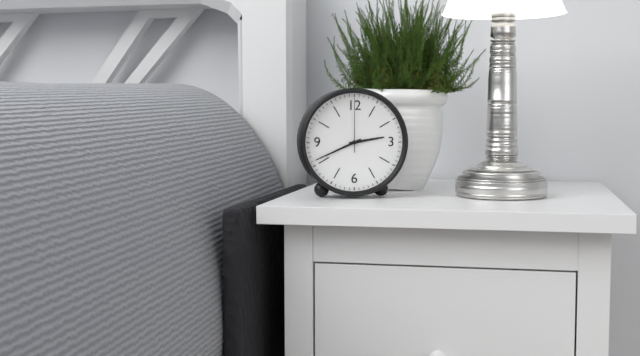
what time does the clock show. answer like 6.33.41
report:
2.41.00
